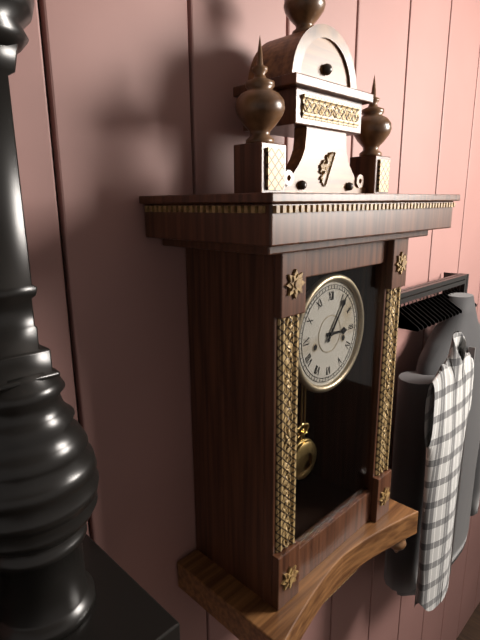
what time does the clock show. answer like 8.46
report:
3.06
